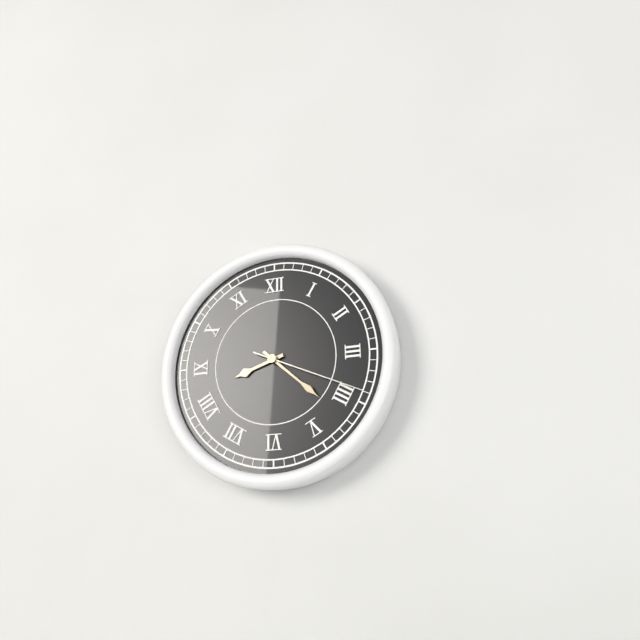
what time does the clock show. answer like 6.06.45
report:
8.22.19
